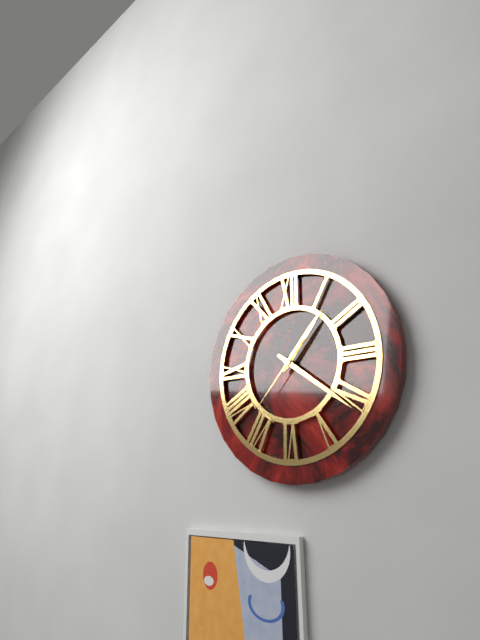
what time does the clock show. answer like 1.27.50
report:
1.21.37
